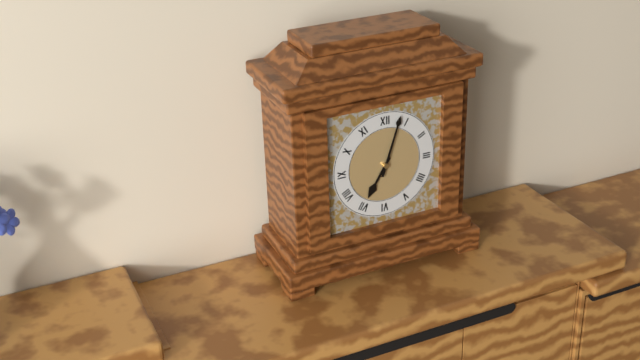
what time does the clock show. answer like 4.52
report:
7.03
